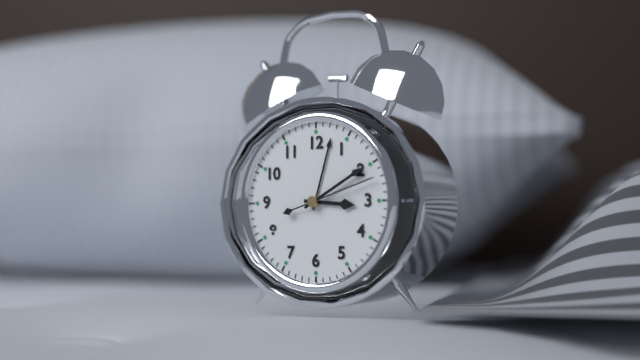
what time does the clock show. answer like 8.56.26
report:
3.10.12
